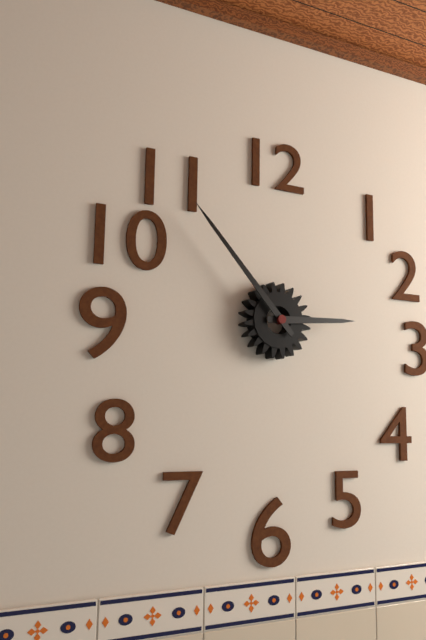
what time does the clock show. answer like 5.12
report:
2.53
